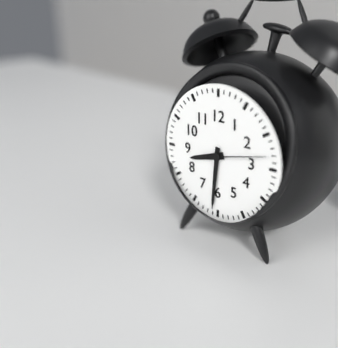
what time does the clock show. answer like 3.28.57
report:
8.31.13
